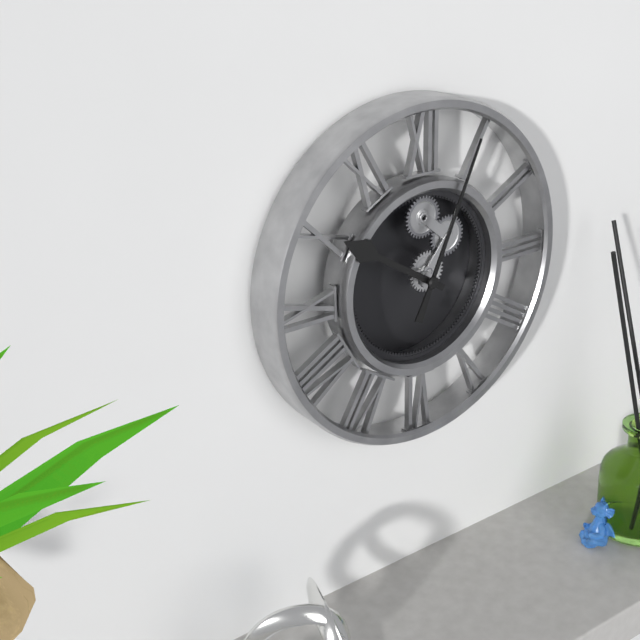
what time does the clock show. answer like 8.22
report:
10.04
